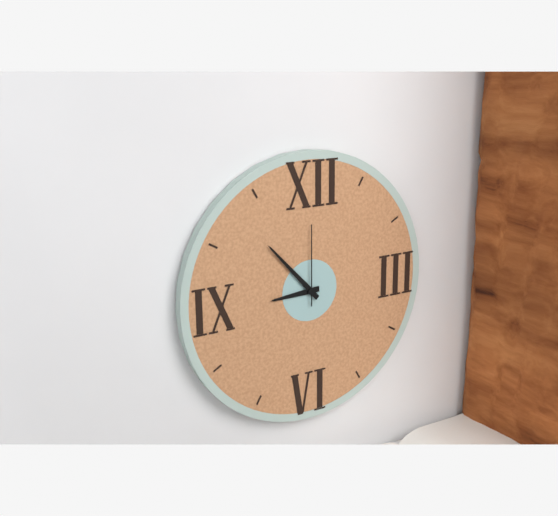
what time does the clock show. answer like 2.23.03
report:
8.53.00
